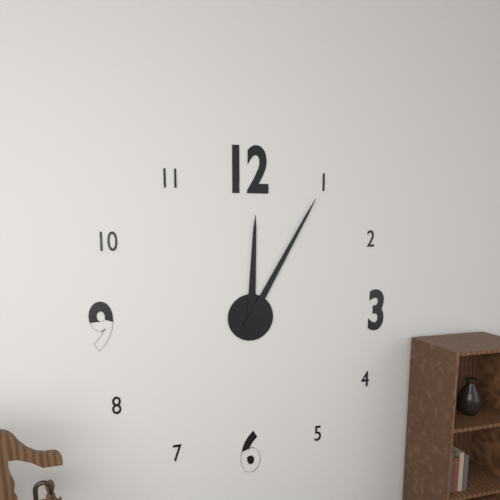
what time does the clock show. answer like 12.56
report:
12.05
